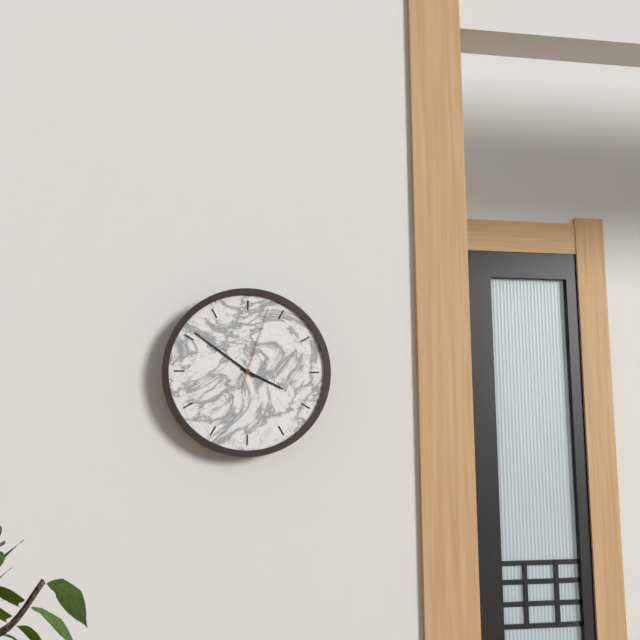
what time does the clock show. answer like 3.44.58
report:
3.51.03
